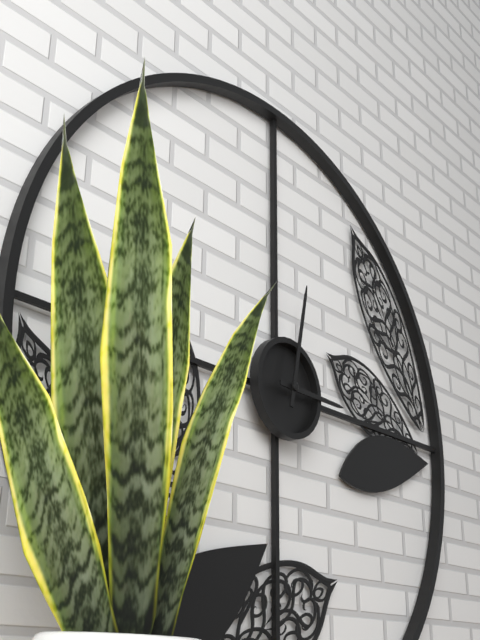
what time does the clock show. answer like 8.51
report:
3.02
